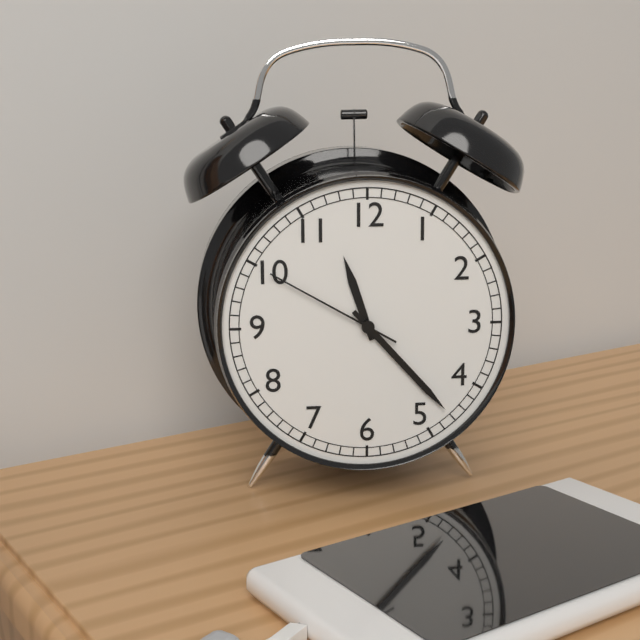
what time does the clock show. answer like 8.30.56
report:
11.23.50
